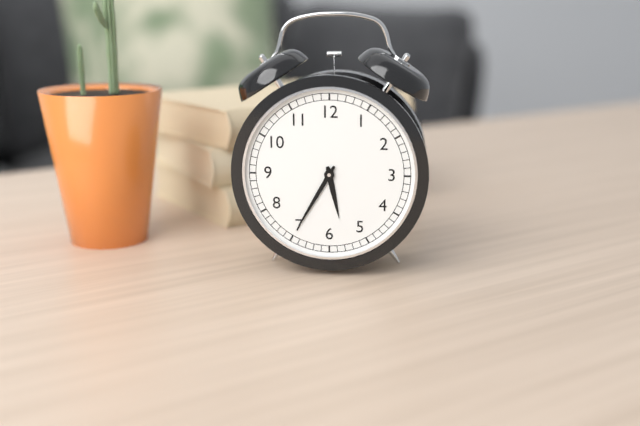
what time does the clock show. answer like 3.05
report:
5.35
